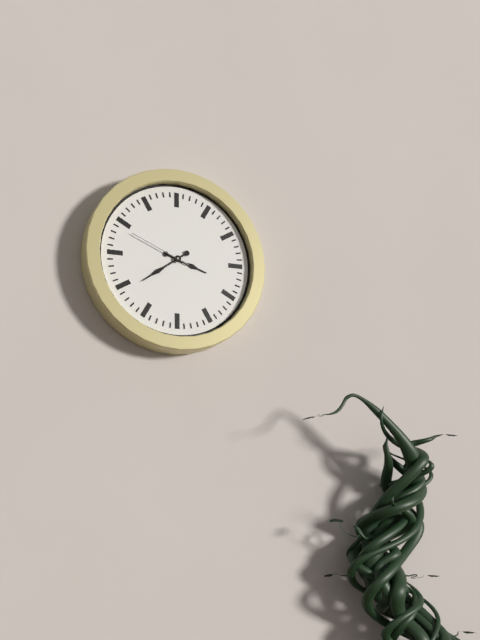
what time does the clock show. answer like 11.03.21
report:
3.39.49
